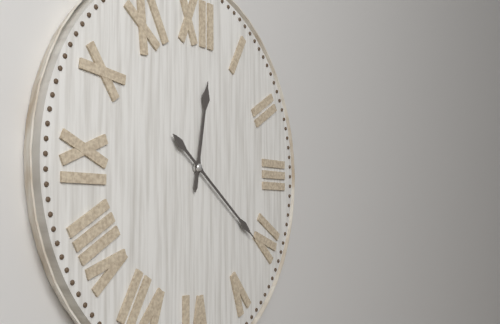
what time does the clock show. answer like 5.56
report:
12.21
